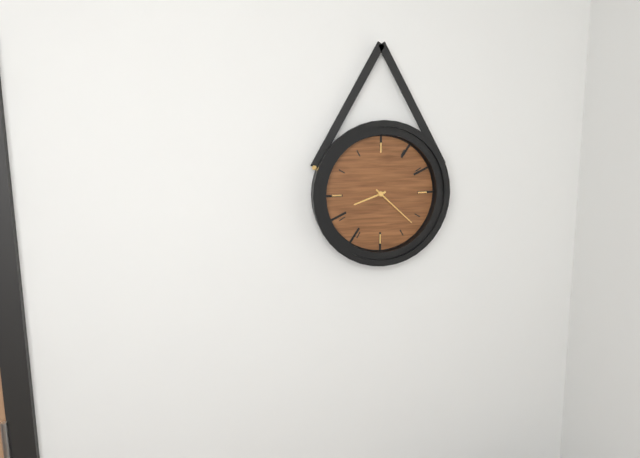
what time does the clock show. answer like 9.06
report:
8.22
